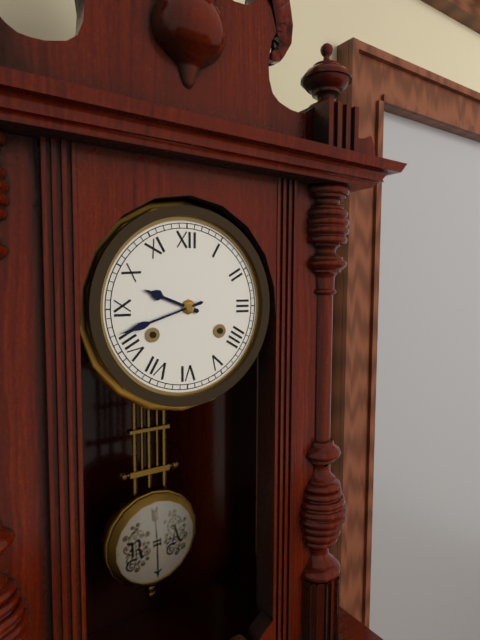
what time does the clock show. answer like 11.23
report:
9.42
